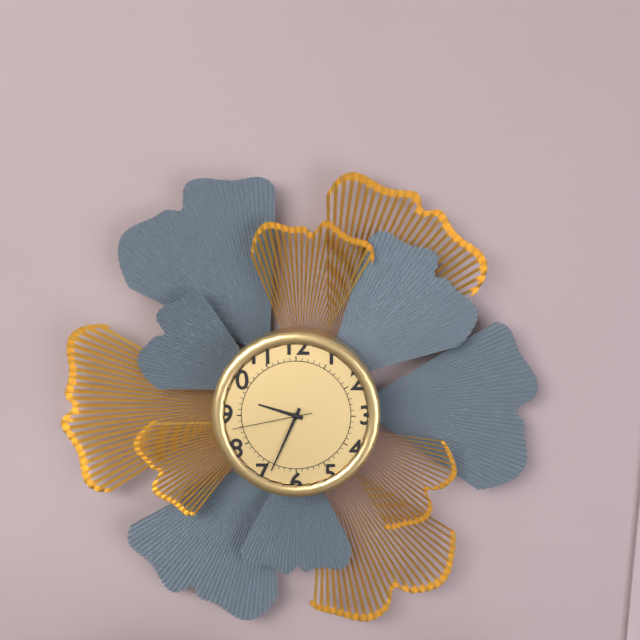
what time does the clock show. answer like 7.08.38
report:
9.34.43
